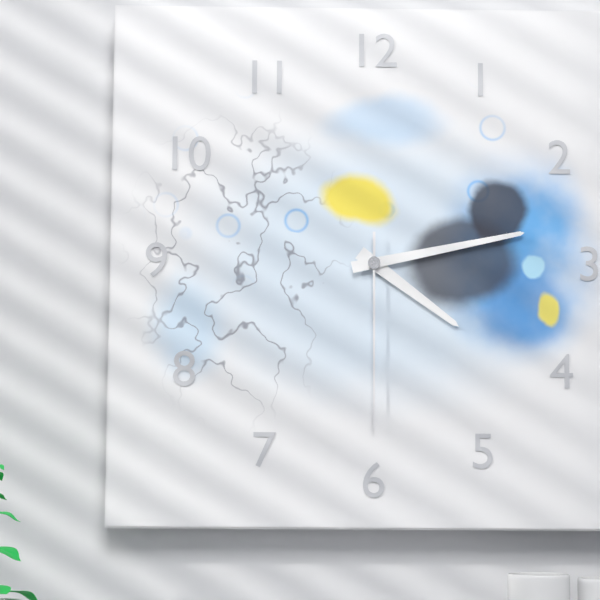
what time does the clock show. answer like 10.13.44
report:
4.13.30
